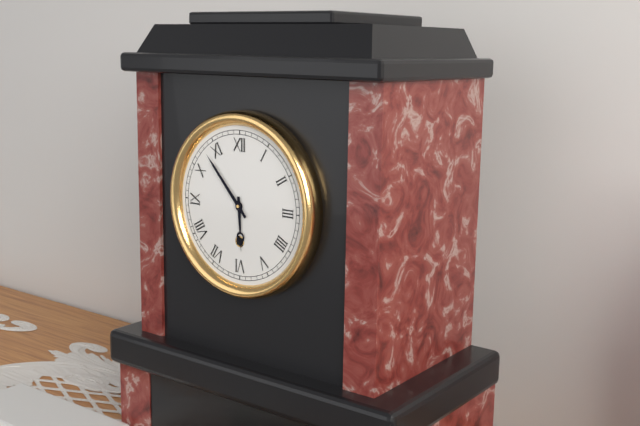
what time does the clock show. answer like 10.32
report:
5.53
